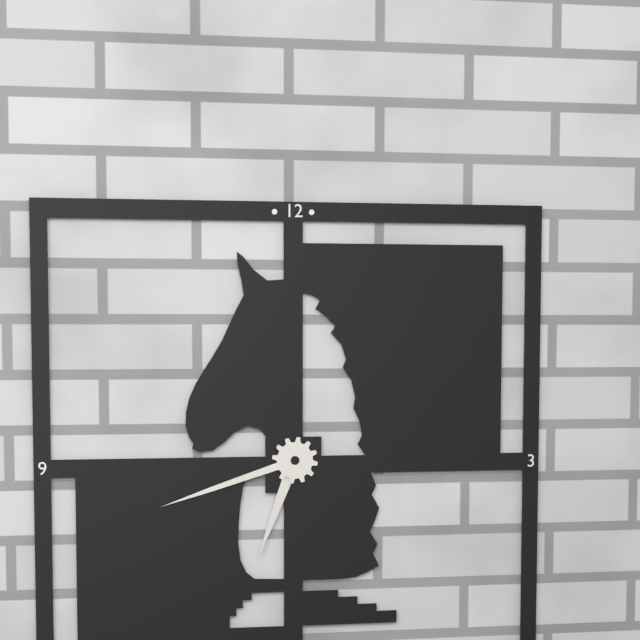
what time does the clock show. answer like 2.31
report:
6.42
